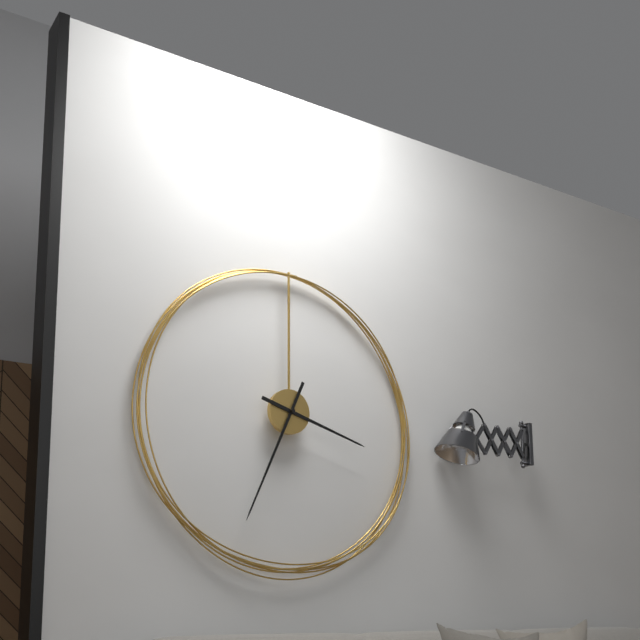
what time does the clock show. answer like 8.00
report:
3.34
